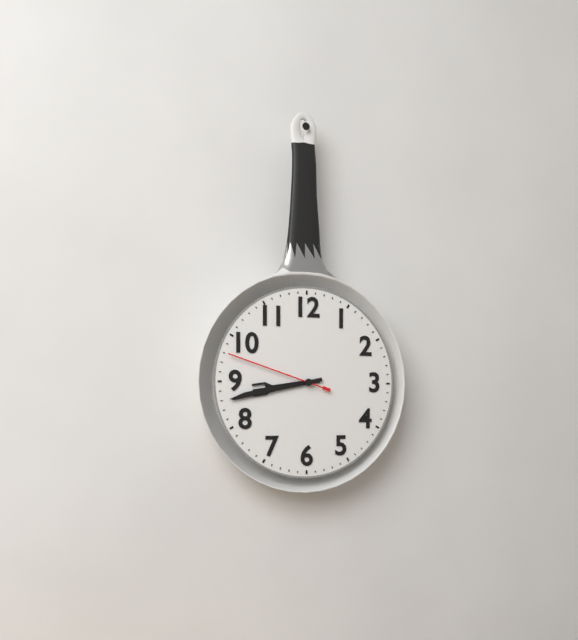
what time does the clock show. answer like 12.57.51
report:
8.43.48
